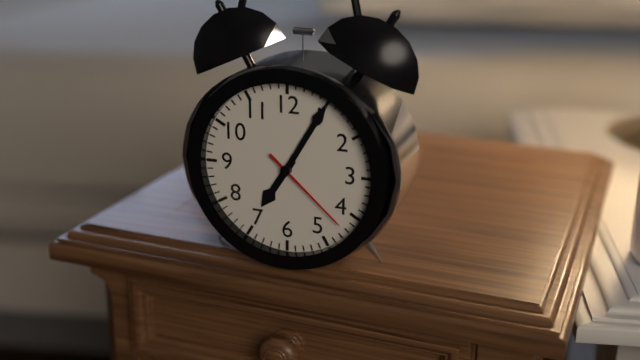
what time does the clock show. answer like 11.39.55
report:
7.05.22
